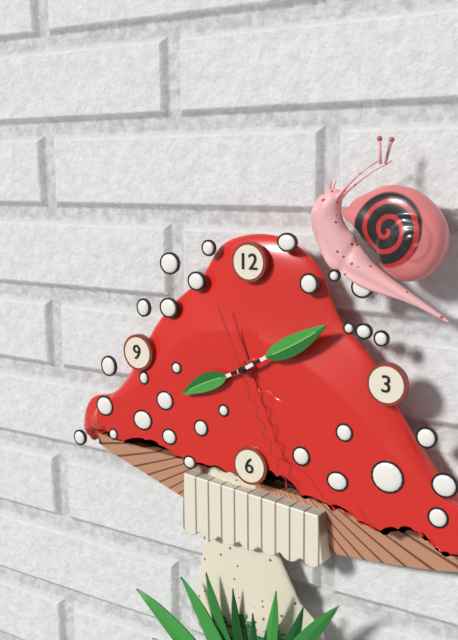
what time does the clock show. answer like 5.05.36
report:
8.10.26
